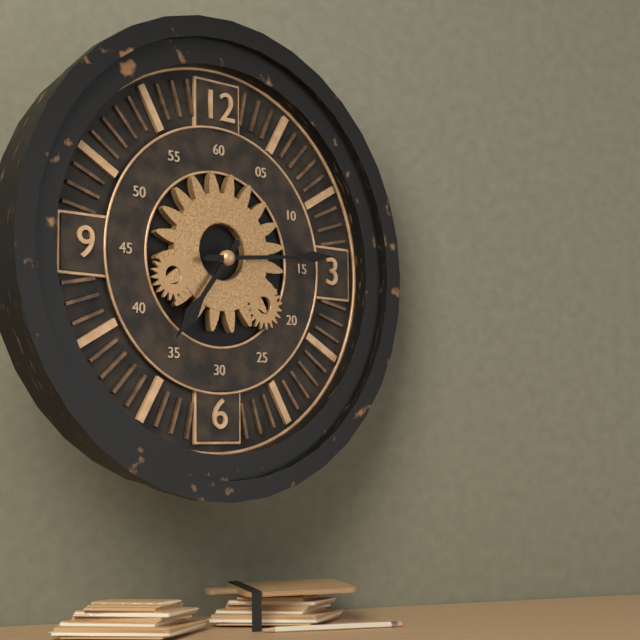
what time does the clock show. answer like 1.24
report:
7.14
